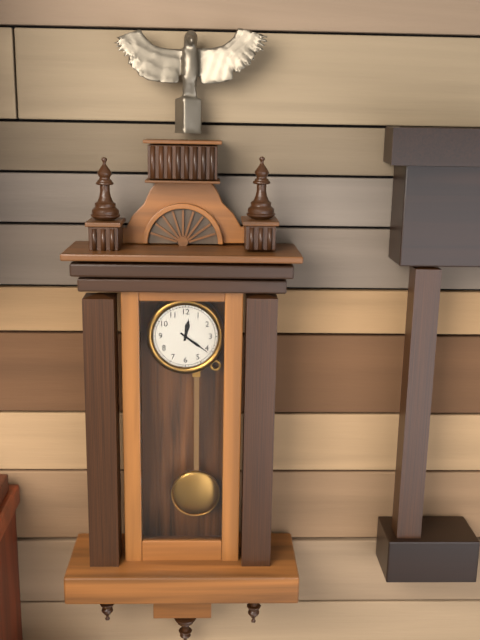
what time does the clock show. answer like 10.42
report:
12.21
